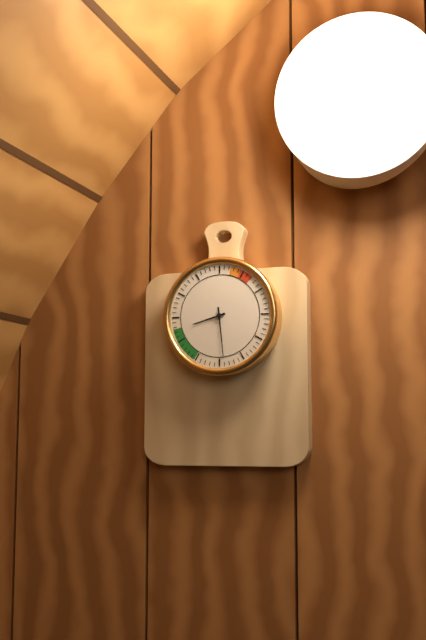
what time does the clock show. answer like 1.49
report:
8.29
